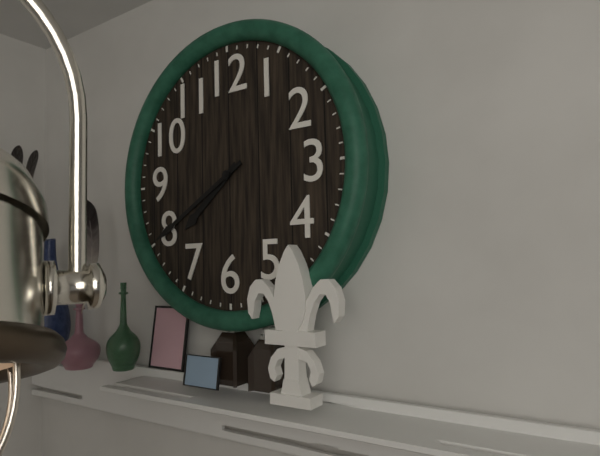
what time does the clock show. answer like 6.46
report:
7.40
